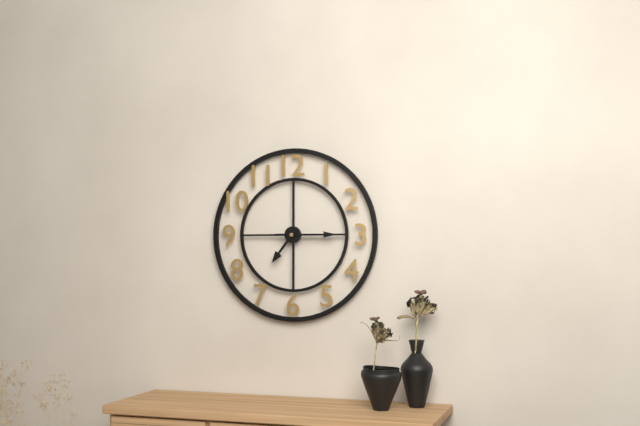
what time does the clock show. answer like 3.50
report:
7.15
